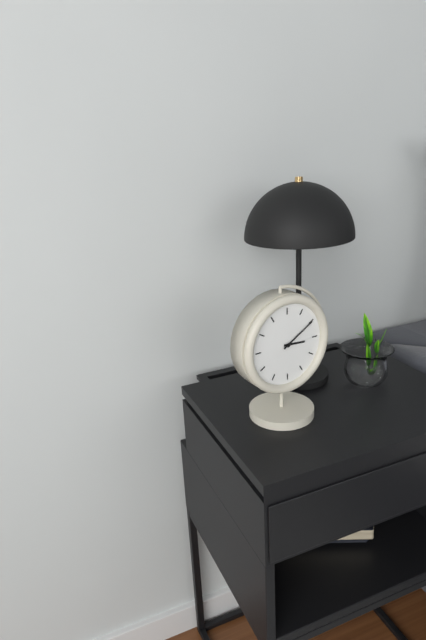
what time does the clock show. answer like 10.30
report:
3.10
